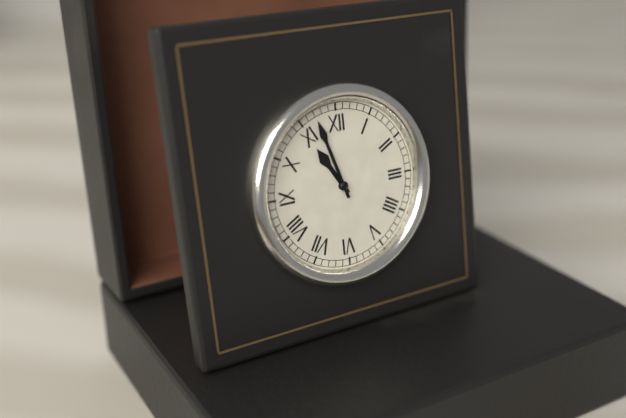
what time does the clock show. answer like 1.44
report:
10.57
